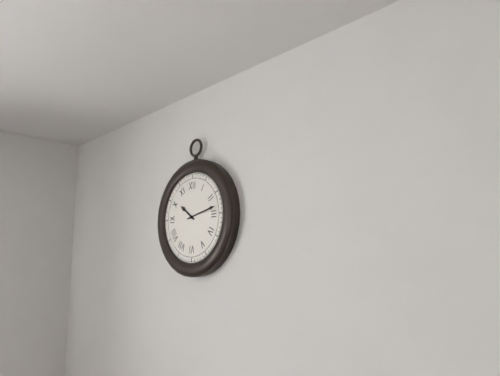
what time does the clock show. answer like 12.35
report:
10.13
